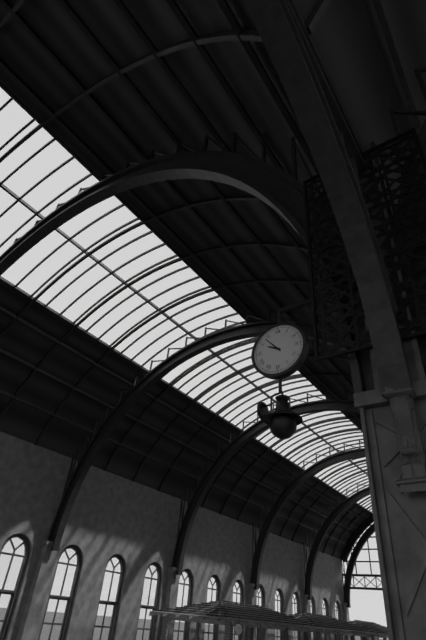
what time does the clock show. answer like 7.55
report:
9.53
